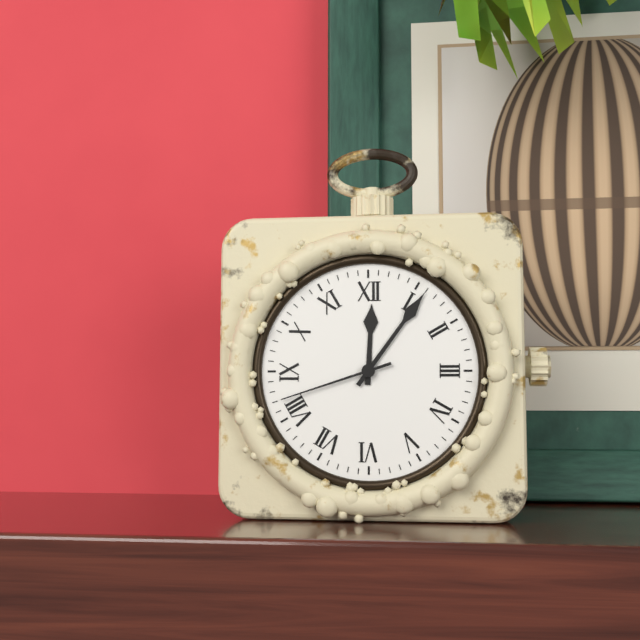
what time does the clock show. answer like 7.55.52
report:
12.06.42
